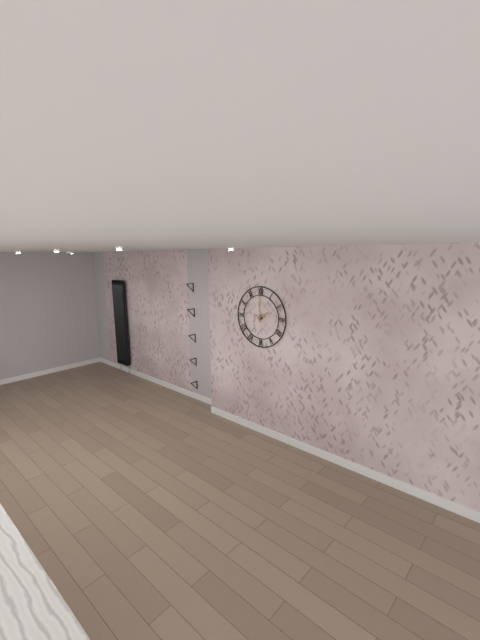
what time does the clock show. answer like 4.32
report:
2.00
